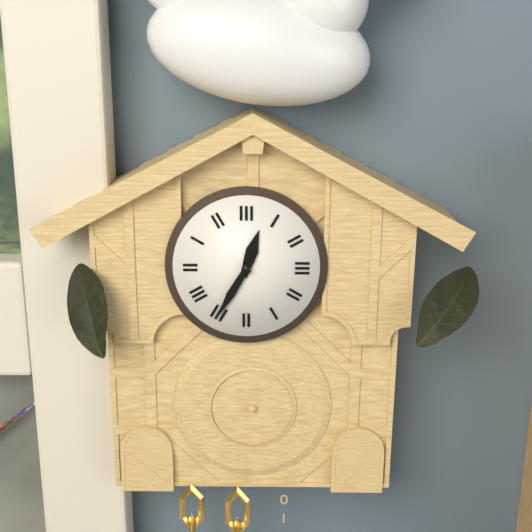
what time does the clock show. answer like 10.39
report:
12.35
